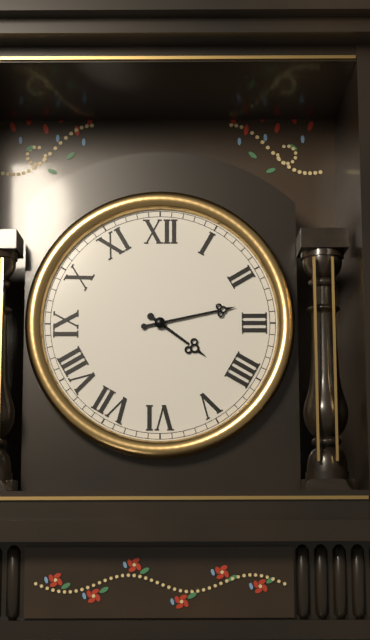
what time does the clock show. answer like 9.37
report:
4.13
